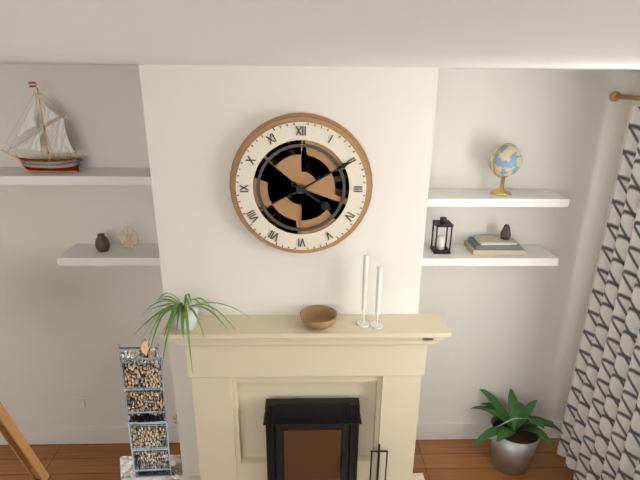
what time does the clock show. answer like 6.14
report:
4.10
